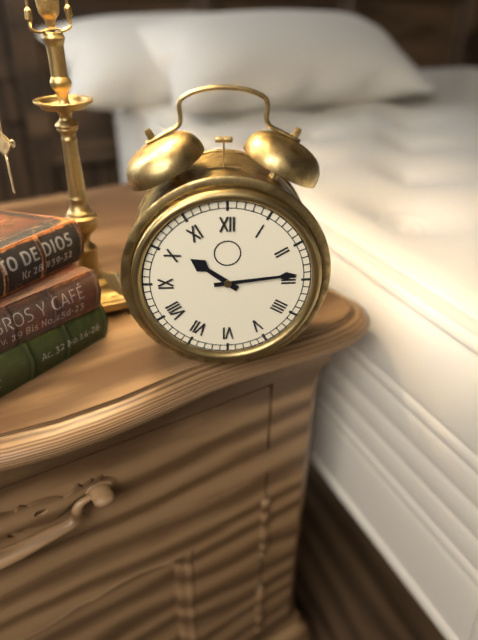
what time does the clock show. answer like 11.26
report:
10.14
